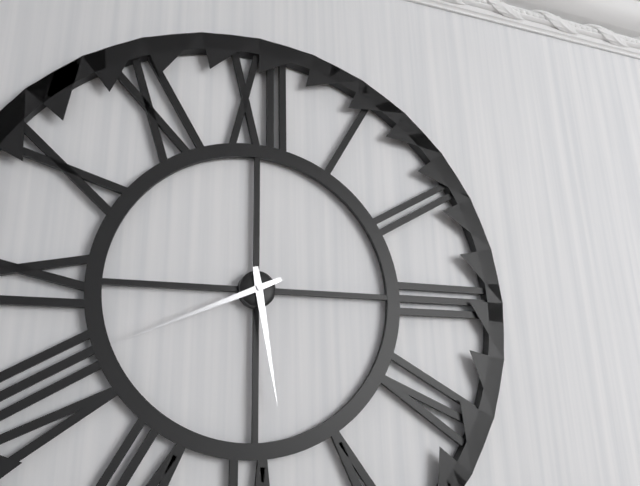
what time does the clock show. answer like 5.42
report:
5.41
